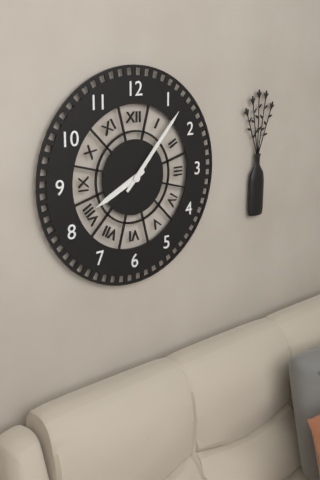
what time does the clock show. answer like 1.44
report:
8.07
